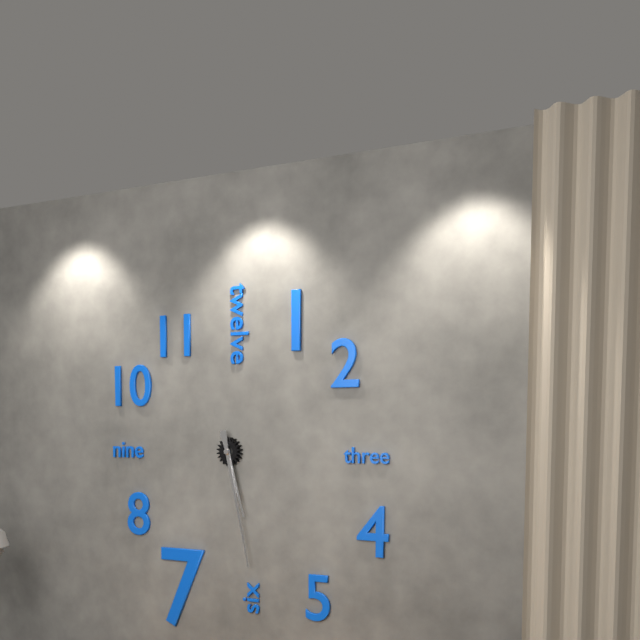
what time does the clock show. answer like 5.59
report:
5.28
